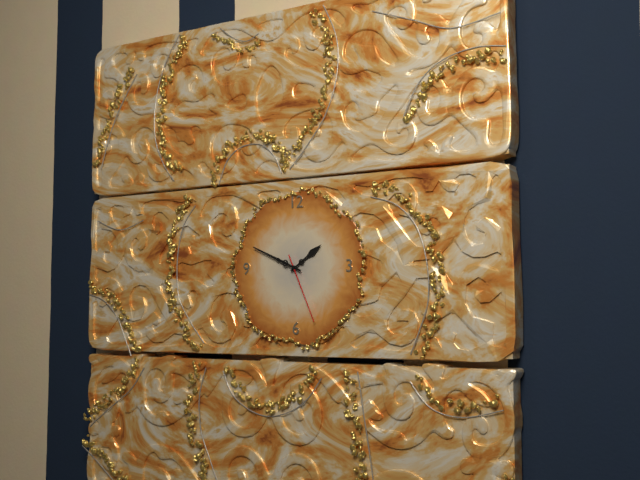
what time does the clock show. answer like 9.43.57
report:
1.49.26
